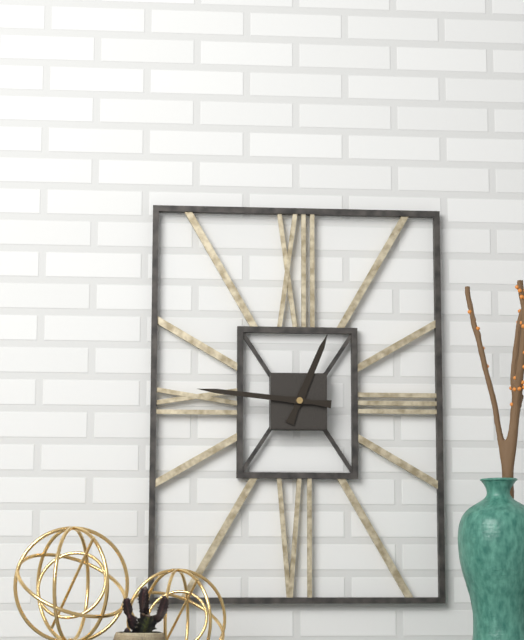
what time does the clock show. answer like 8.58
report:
12.46
